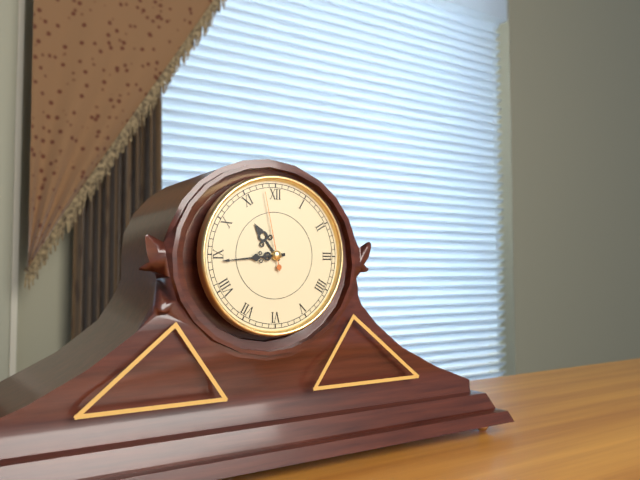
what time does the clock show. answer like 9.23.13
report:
10.44.58
